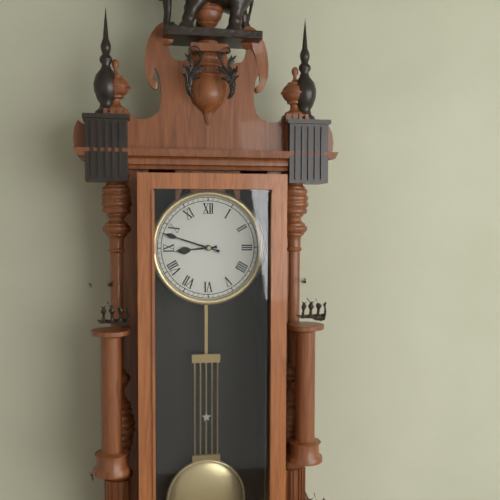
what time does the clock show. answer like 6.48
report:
8.48
